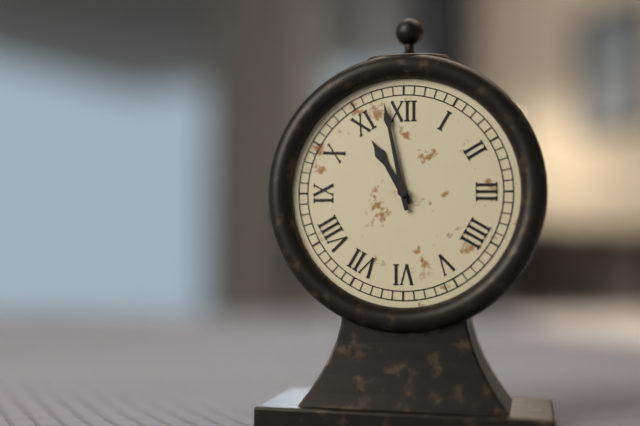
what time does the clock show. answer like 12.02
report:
10.58
